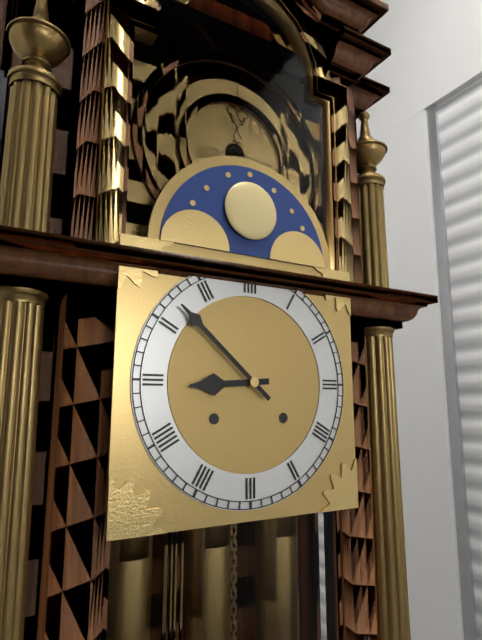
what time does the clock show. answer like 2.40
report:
8.52
